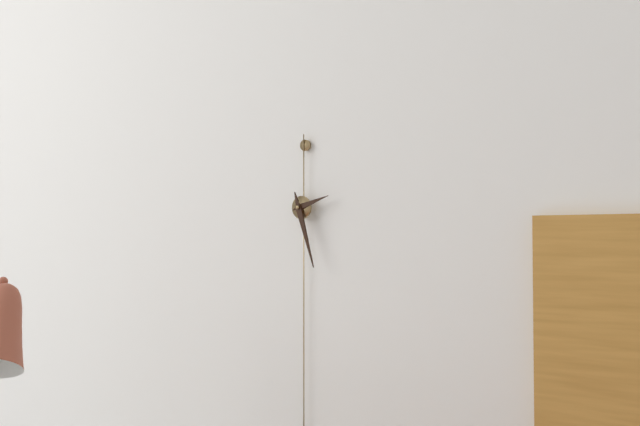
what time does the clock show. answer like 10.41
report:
2.27
